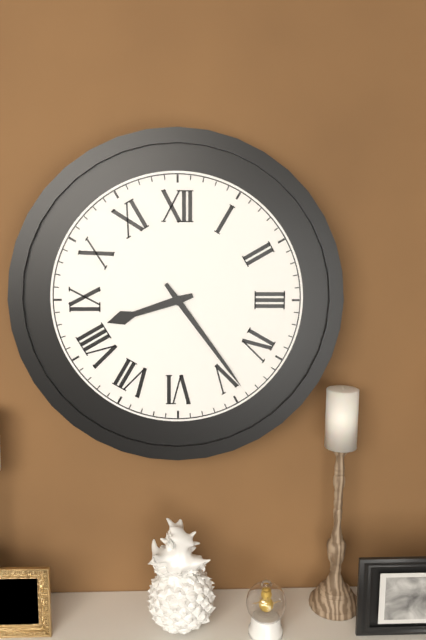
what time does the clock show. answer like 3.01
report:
8.24
